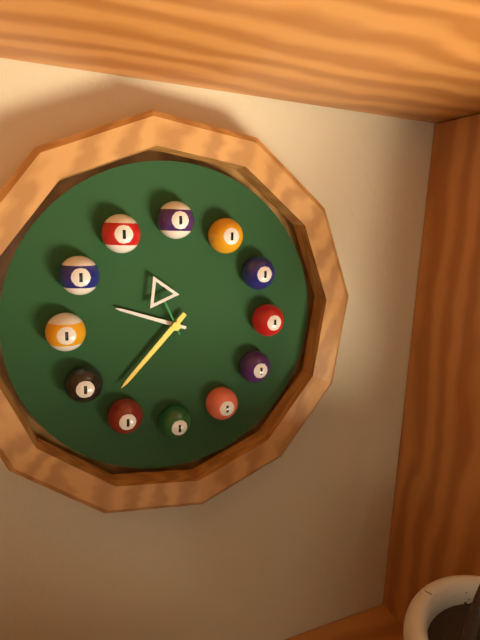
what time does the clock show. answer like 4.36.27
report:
9.37.56
